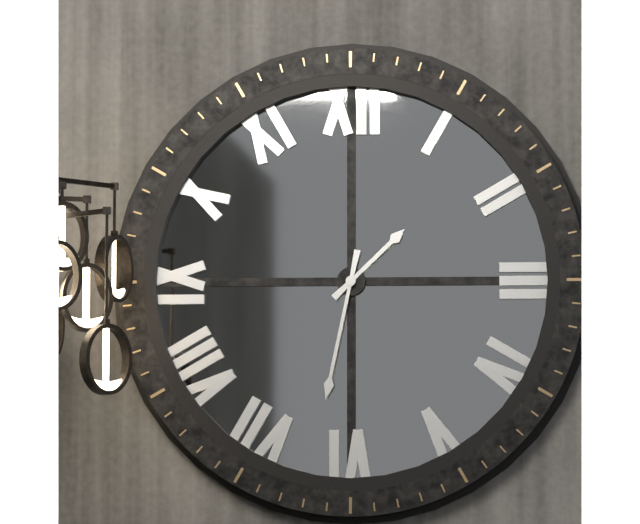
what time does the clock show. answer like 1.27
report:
1.32
